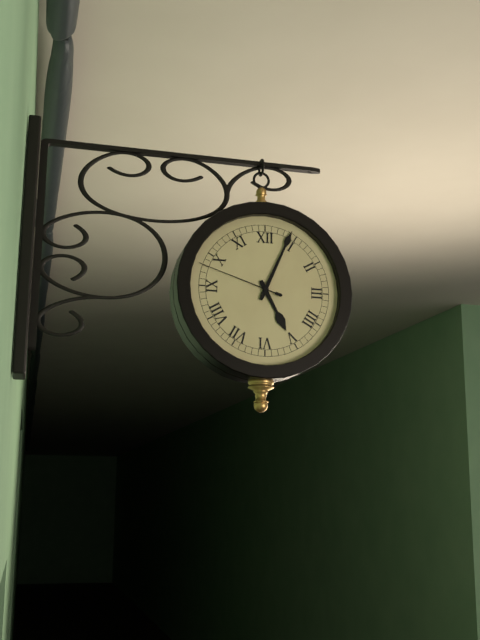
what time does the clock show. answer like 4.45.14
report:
5.04.48
